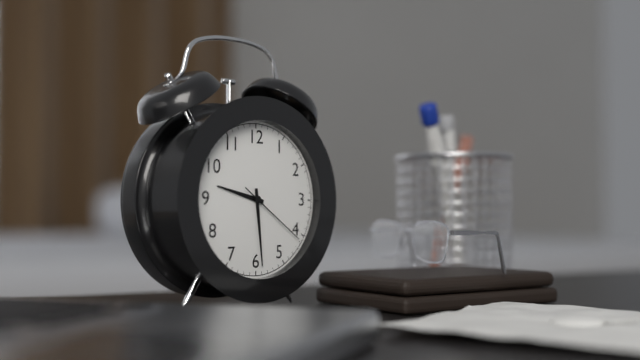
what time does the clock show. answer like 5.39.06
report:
9.29.21
